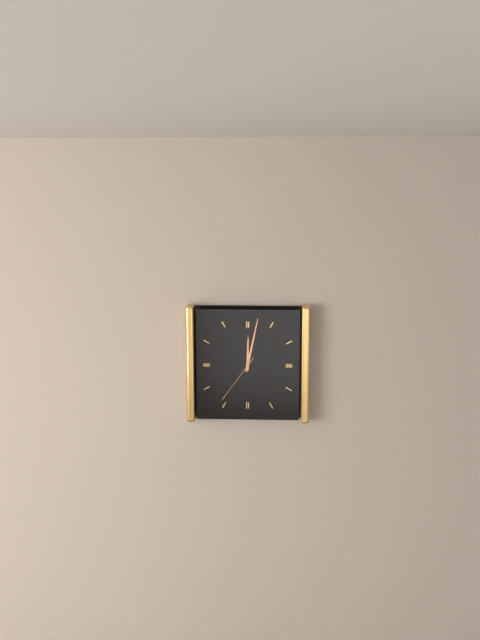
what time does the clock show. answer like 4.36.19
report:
12.02.36
